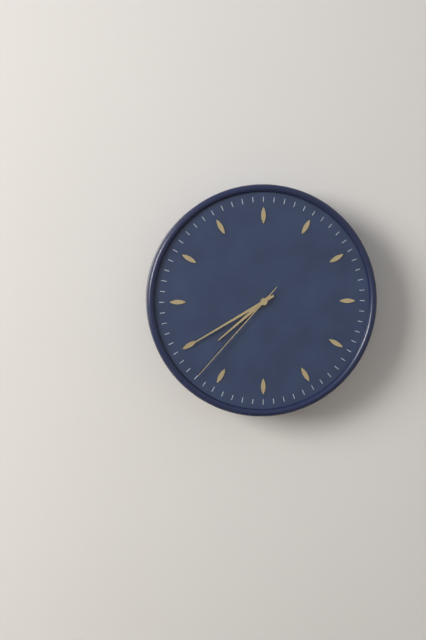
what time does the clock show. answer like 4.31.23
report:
7.40.37
